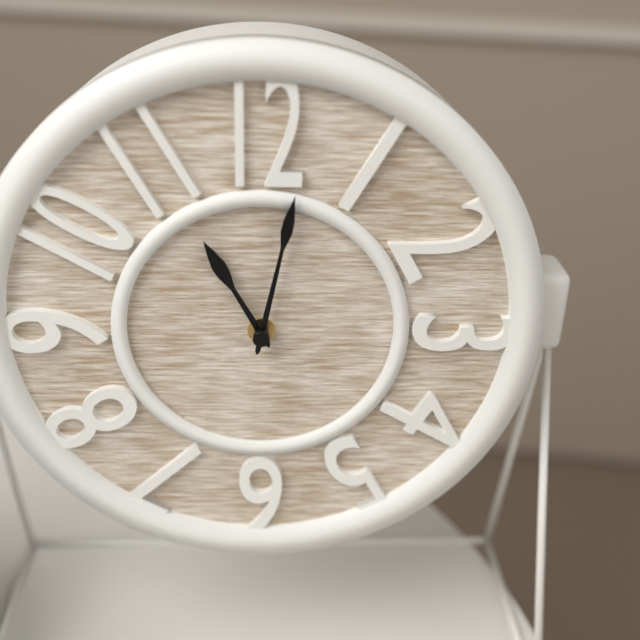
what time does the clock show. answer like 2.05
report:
11.02
